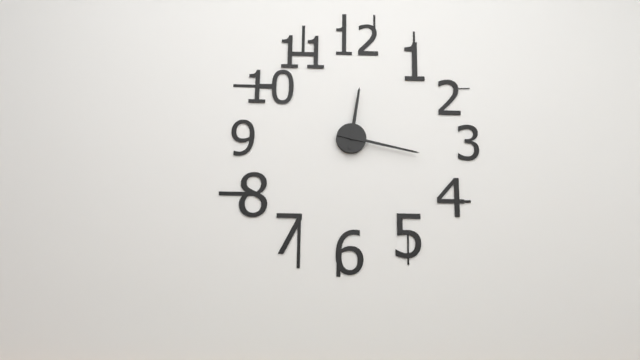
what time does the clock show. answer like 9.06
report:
12.17
